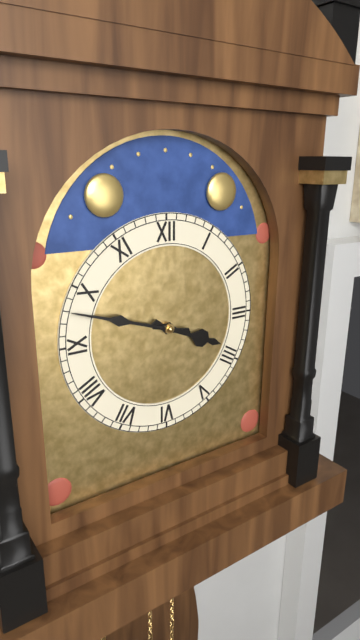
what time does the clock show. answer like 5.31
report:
3.48
